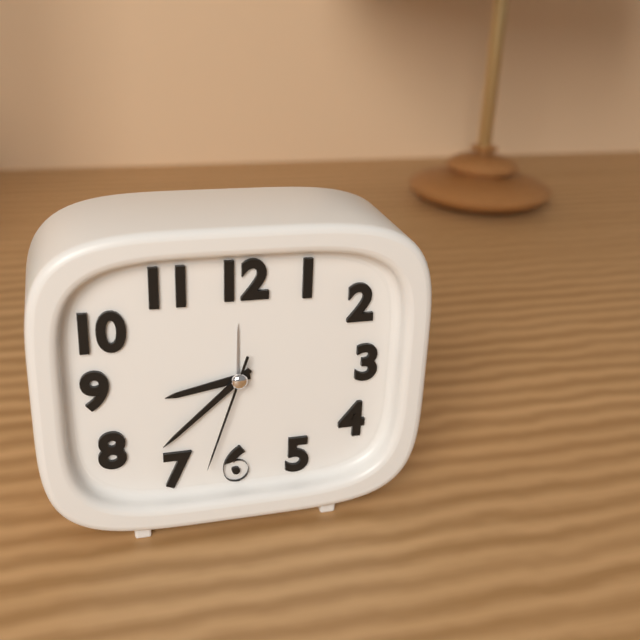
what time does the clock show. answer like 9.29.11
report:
8.38.33
